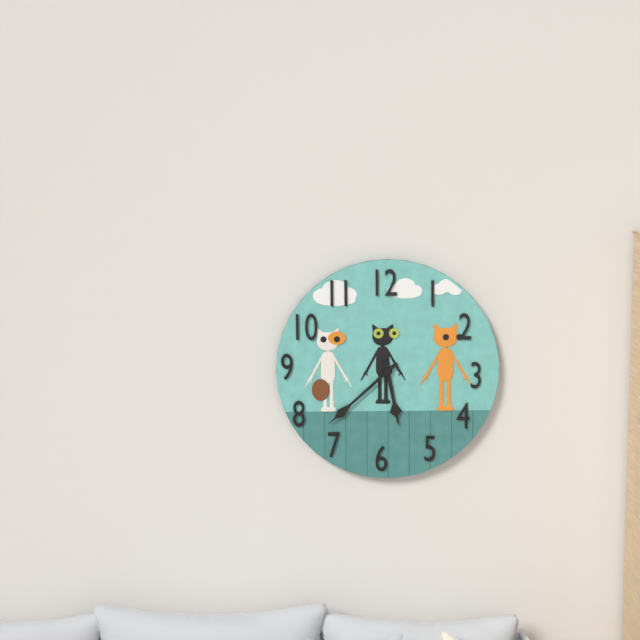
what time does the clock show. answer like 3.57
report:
5.38
